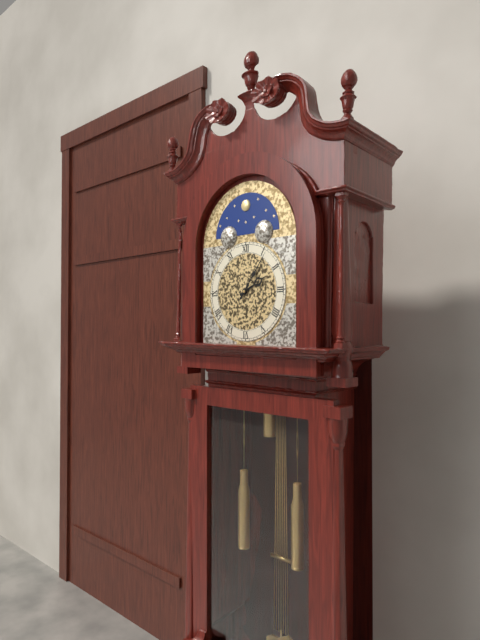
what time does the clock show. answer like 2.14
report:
2.06
